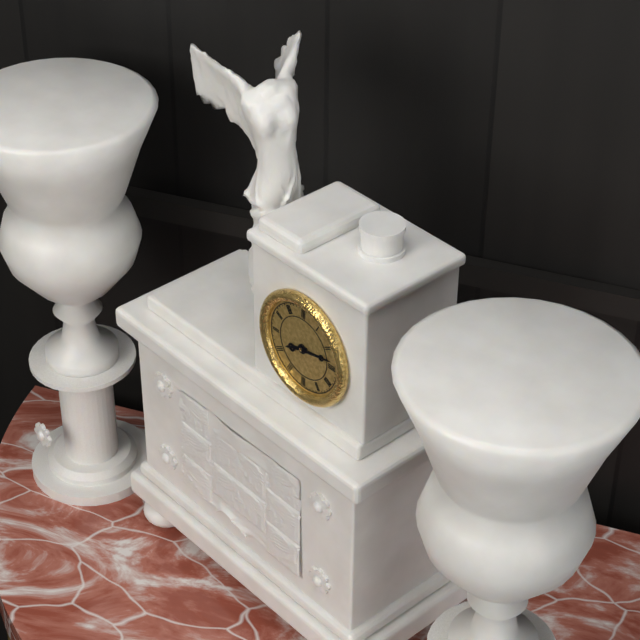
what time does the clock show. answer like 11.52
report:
8.13
